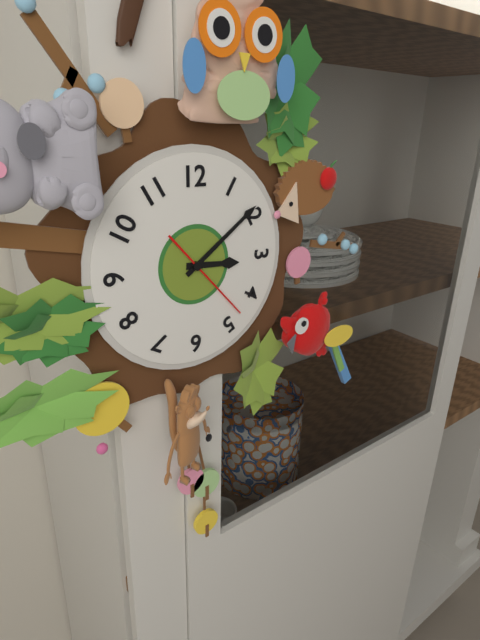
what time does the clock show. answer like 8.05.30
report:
3.09.23
